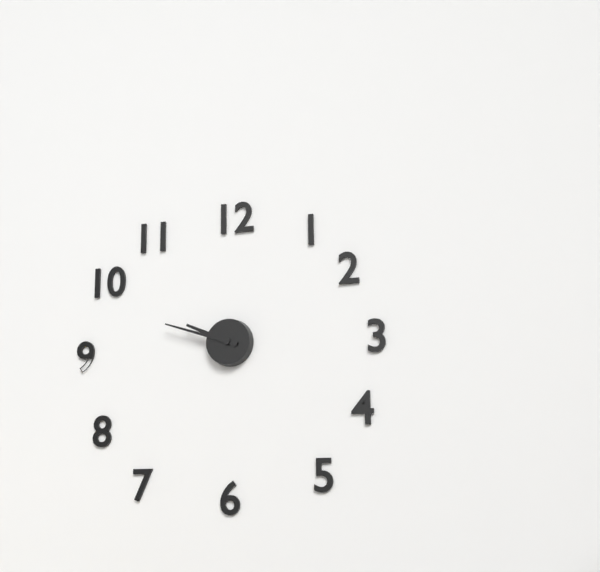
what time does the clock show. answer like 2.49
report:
9.48
